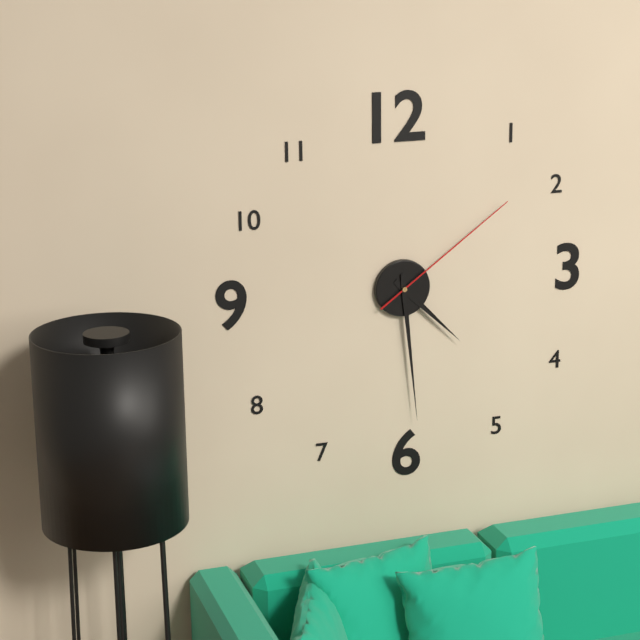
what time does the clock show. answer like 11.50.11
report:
4.29.09
